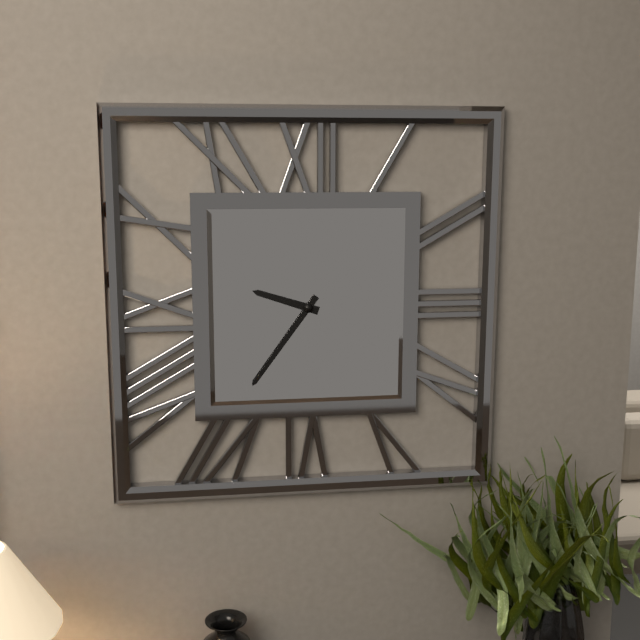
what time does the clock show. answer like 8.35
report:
9.36
